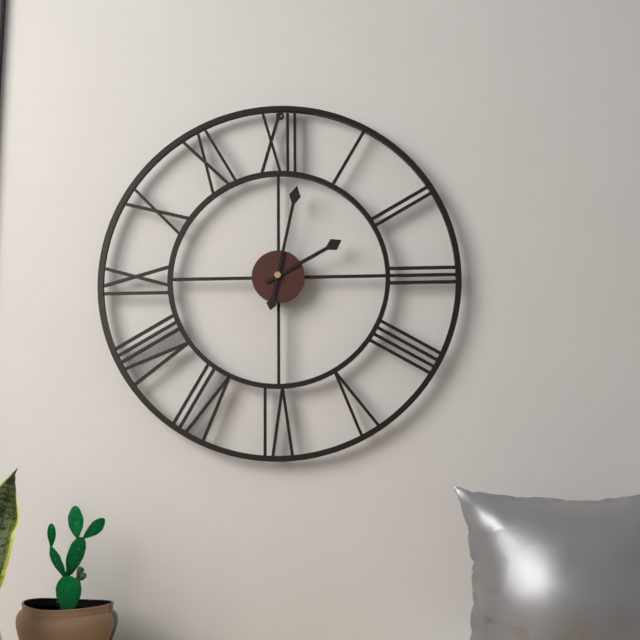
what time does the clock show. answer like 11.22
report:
2.02
